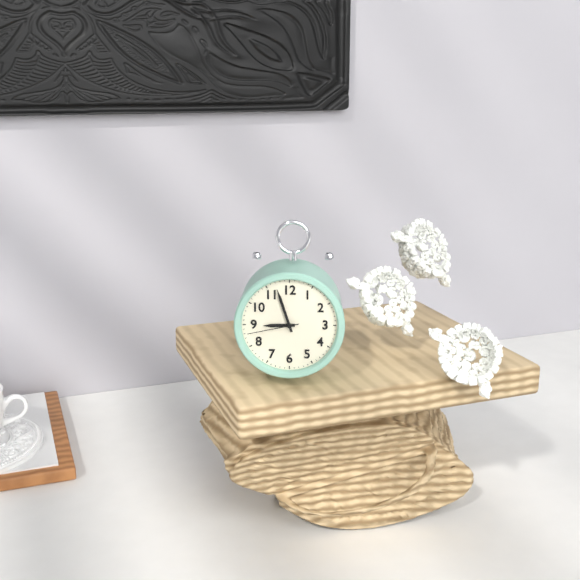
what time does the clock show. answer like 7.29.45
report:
8.57.43
